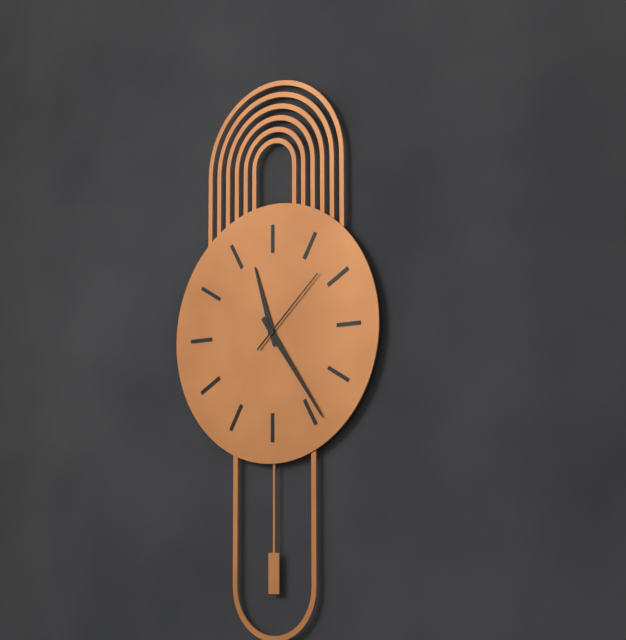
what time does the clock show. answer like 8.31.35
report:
11.24.08
